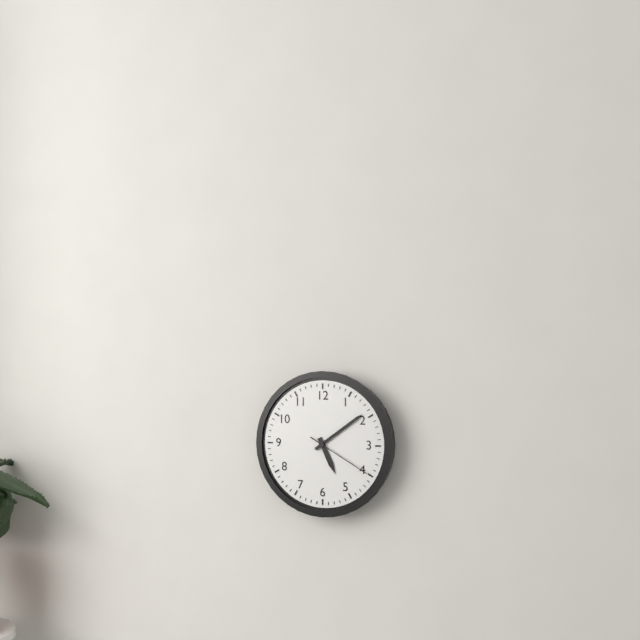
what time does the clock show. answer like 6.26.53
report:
5.09.20
